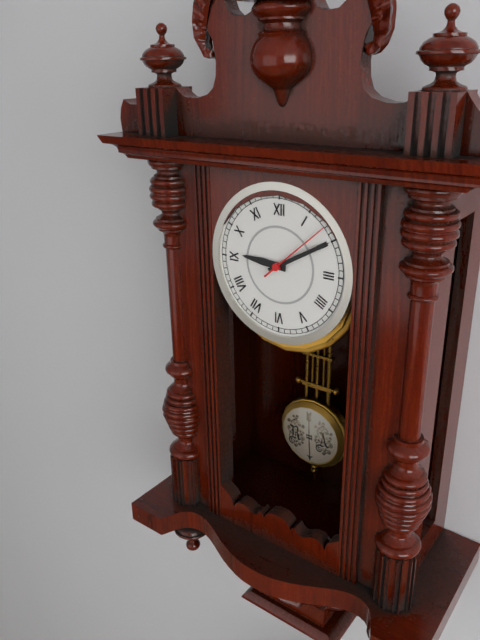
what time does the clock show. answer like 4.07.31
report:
9.10.08
